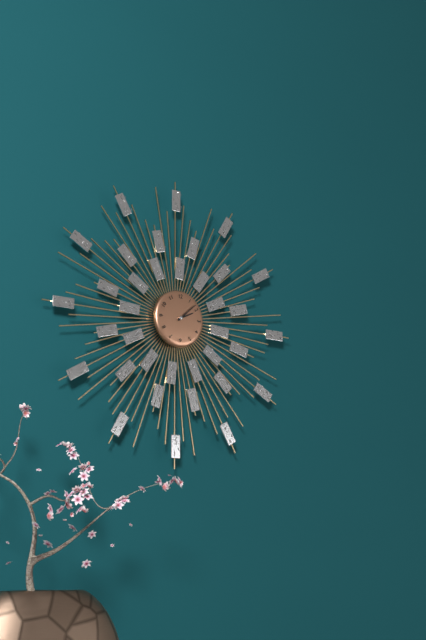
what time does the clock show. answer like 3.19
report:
2.08
